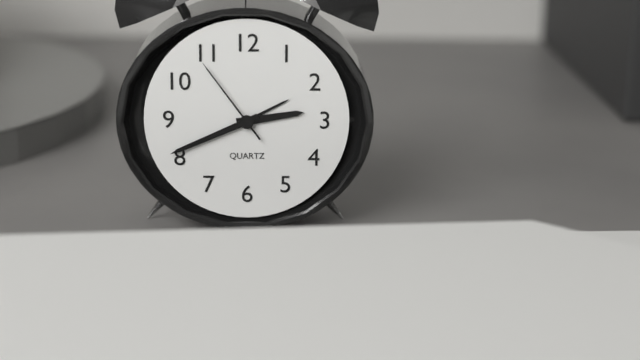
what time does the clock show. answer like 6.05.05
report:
2.41.54
